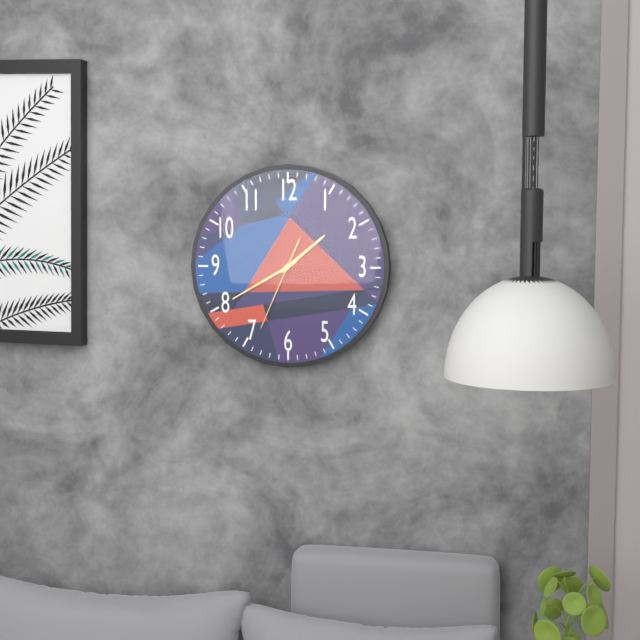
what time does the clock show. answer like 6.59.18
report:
1.40.34
